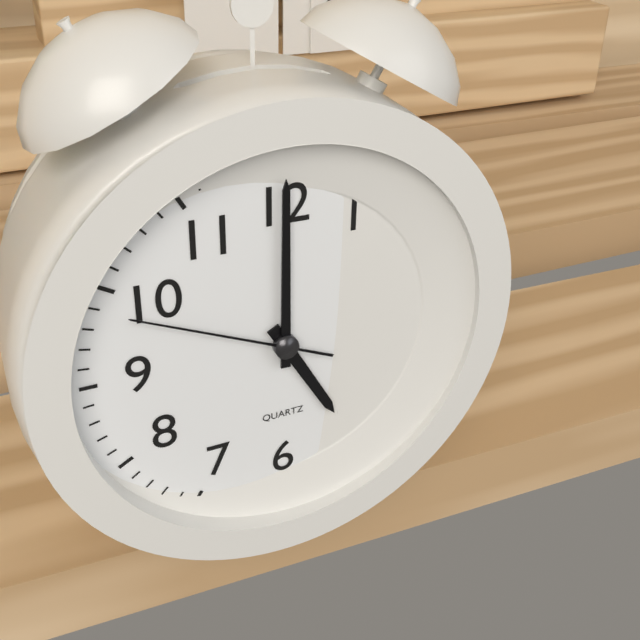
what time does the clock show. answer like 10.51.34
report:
5.00.49
